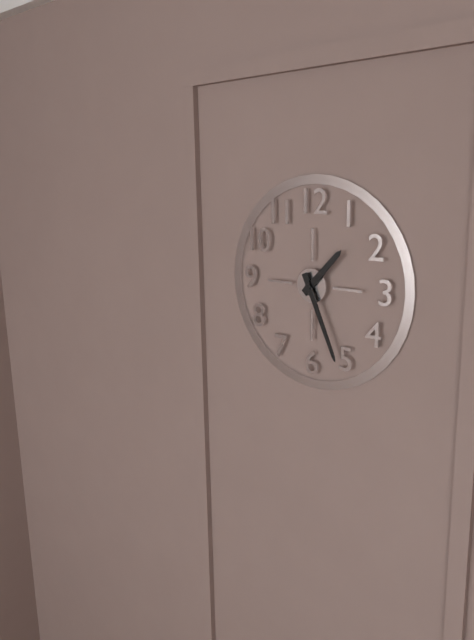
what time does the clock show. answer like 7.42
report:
1.26
